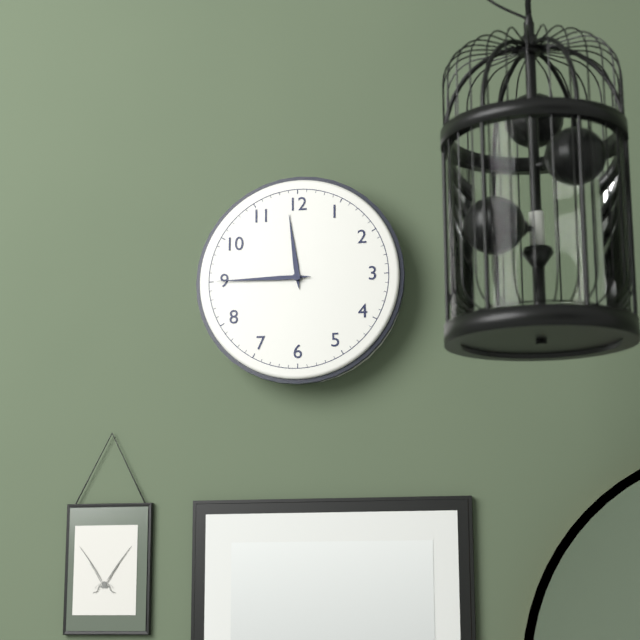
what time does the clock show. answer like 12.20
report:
11.45
